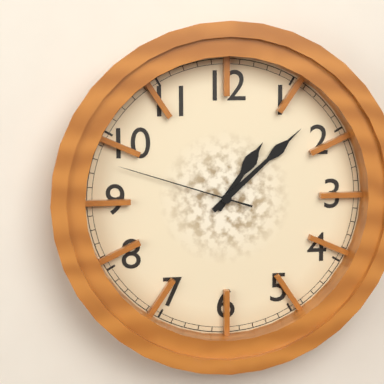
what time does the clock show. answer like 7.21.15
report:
1.08.48
